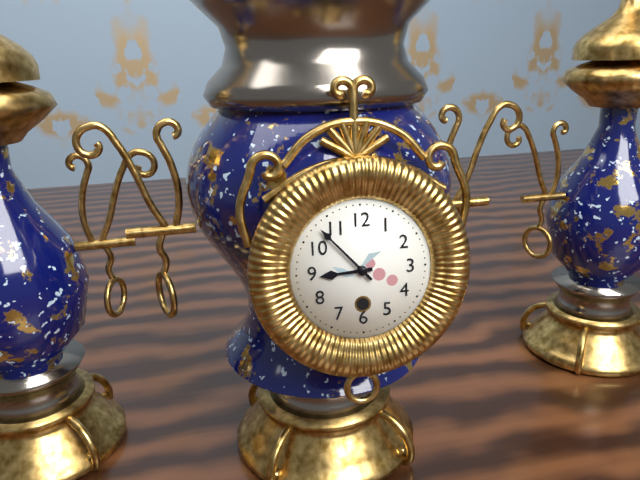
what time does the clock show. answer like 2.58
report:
8.53
